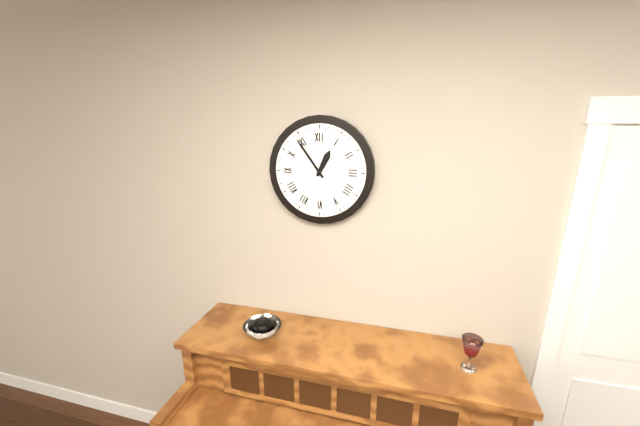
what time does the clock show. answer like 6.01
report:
12.54
